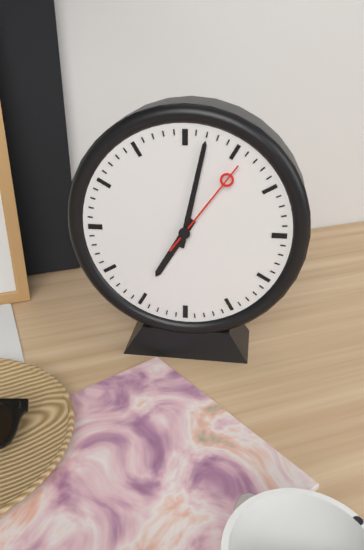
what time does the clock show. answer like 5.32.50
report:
7.02.06
